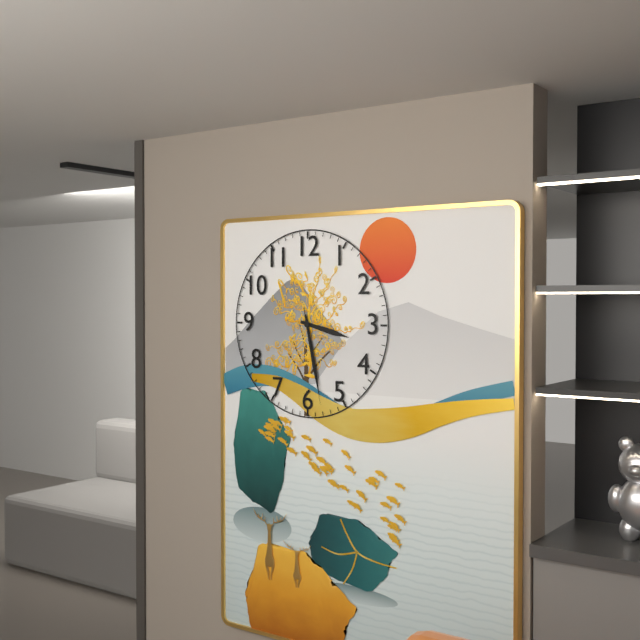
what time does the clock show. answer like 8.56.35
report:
3.28.28
